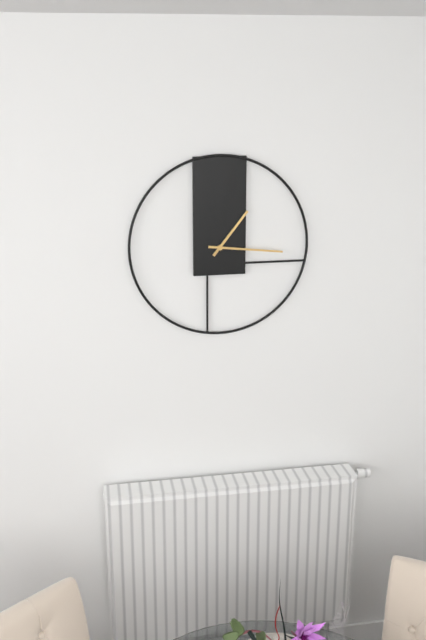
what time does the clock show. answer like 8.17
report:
1.16
